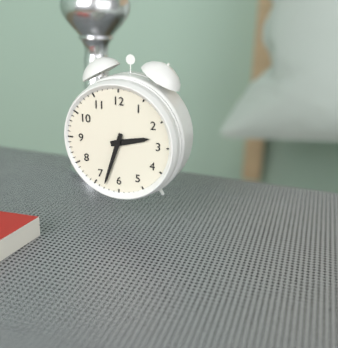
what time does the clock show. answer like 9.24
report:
2.33
